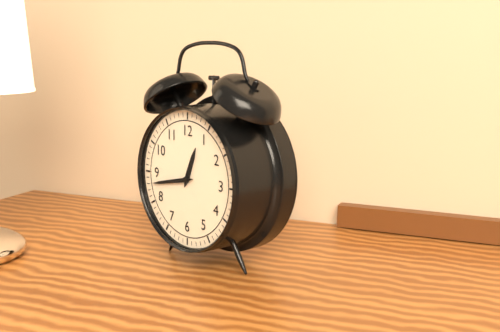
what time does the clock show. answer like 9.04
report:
12.43
